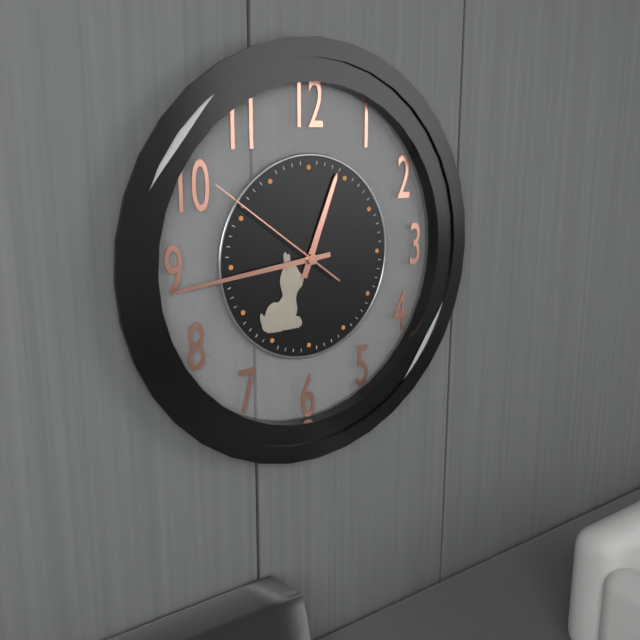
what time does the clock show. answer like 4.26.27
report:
12.44.51
